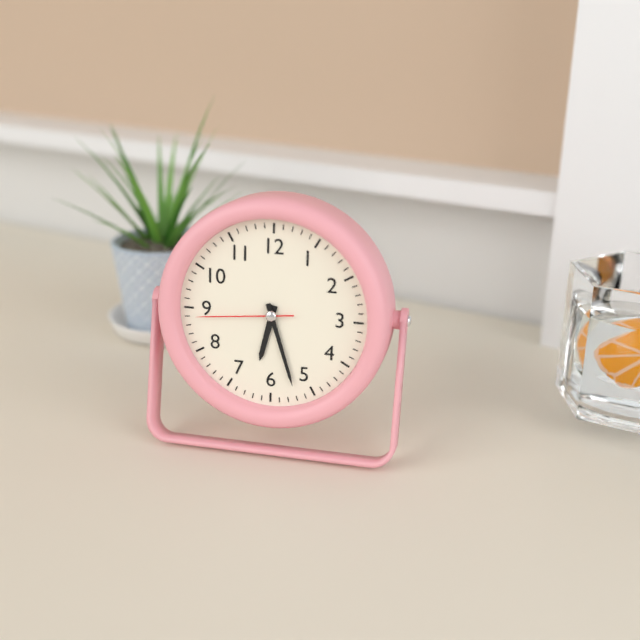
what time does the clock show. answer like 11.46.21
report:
6.27.44
